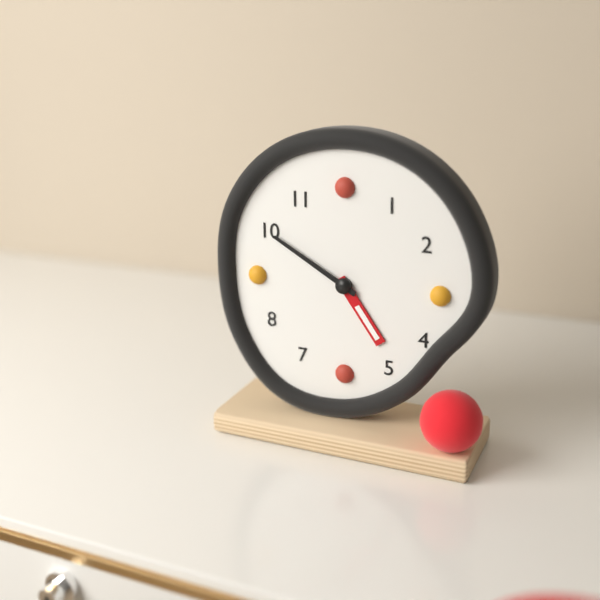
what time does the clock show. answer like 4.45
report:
4.50
